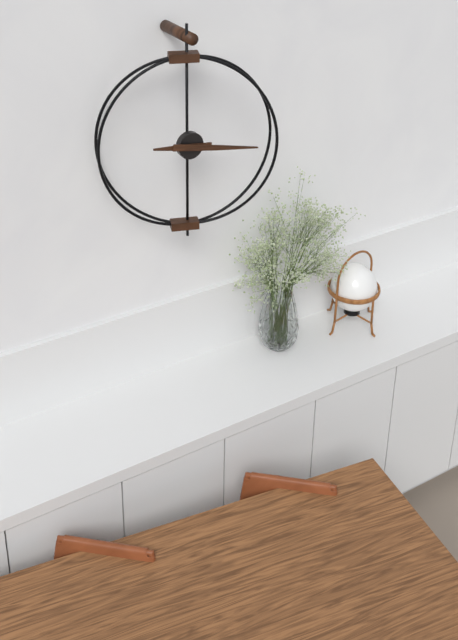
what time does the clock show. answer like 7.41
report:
9.17
